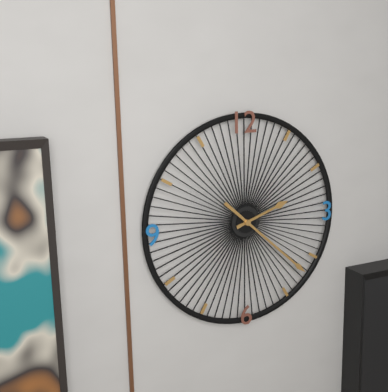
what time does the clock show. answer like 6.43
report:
2.22
